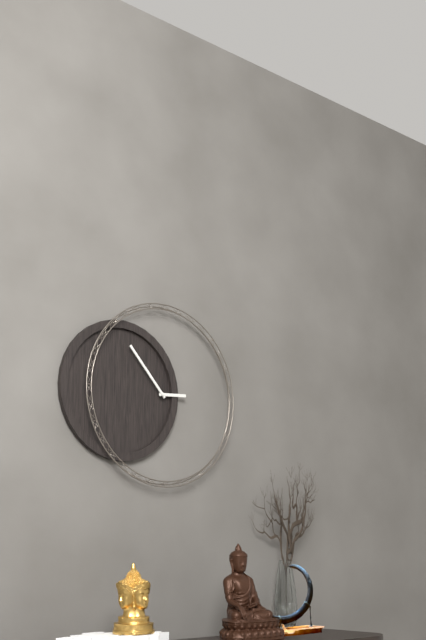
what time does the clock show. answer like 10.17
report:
2.53
